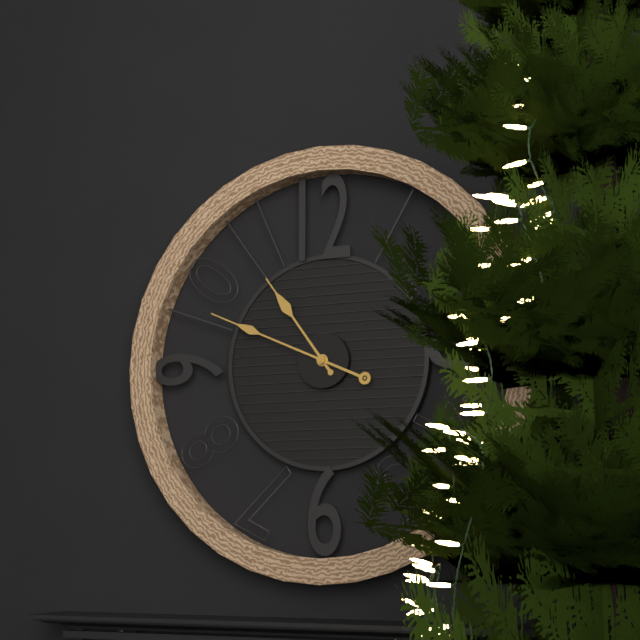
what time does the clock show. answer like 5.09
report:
10.49
